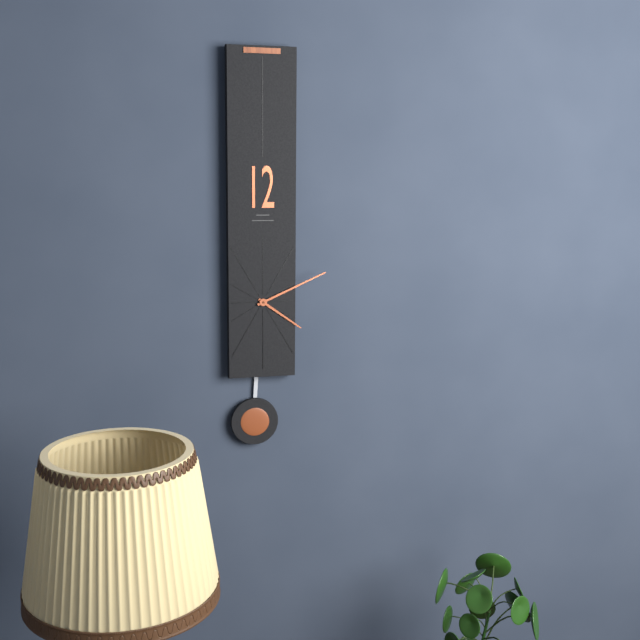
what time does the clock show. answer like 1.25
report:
4.11
